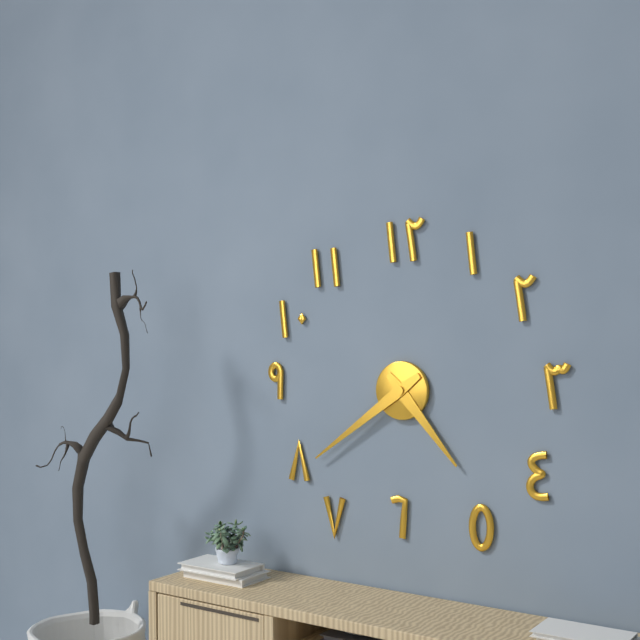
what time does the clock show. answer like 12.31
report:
4.39
